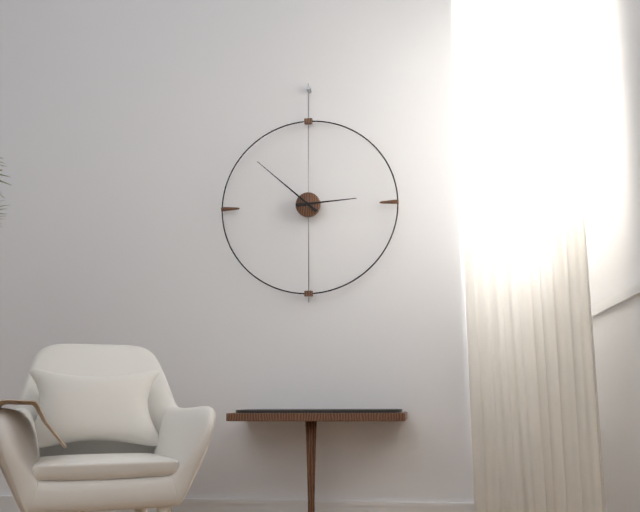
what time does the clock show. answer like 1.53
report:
2.52
